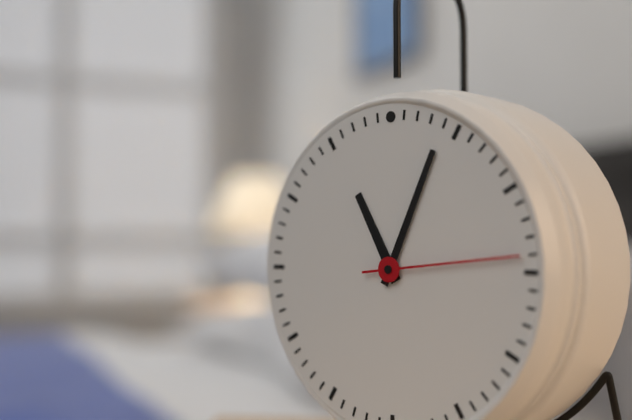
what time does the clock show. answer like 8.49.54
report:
11.04.14
